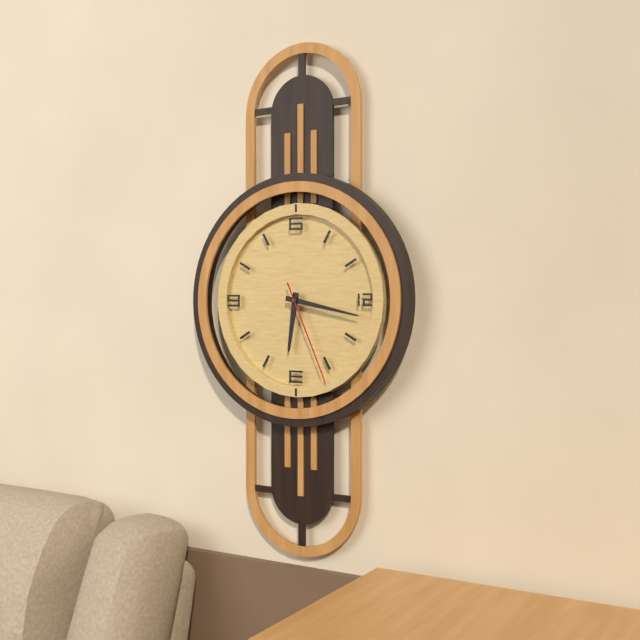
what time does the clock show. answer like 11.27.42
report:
6.17.26
